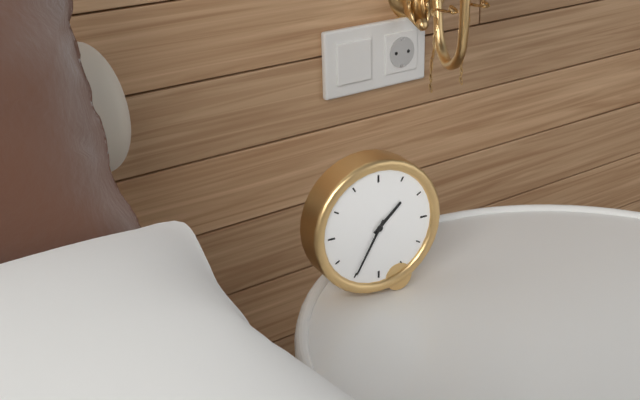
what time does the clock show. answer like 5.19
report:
1.35
